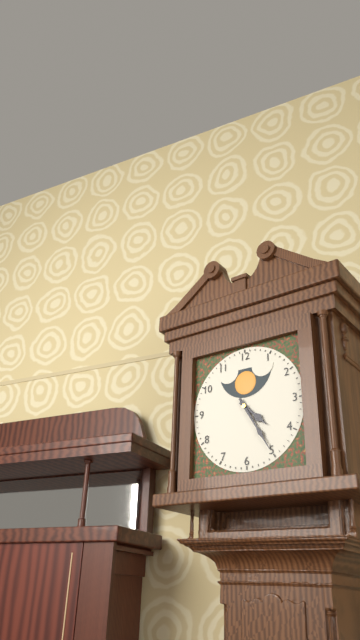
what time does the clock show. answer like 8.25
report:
4.25
